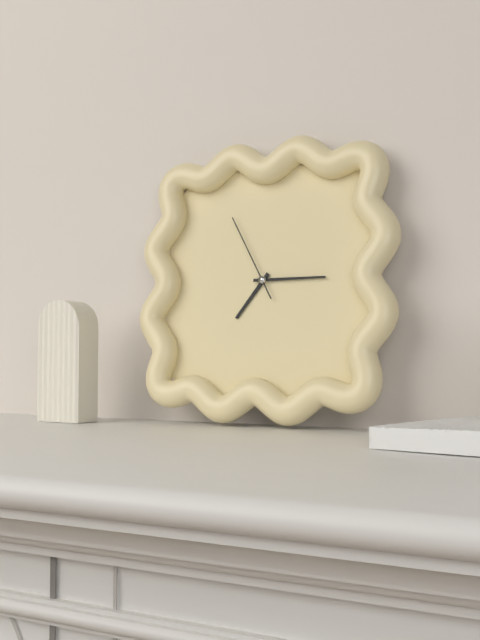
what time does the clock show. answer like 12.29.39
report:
7.15.55
